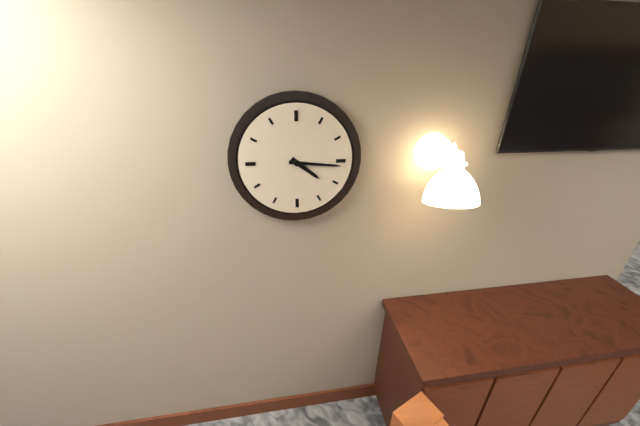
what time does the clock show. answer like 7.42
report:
4.16
